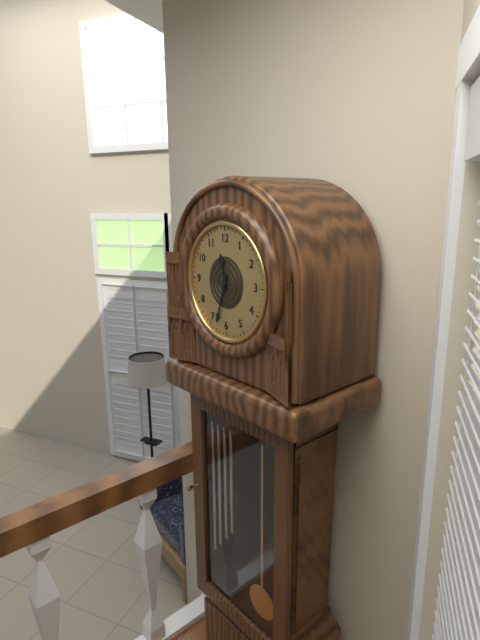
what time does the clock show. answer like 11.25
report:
11.33
